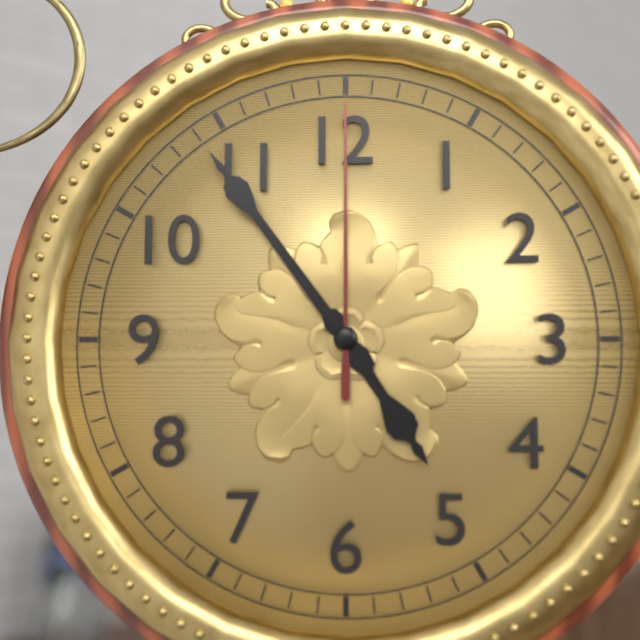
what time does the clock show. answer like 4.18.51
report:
4.54.00
